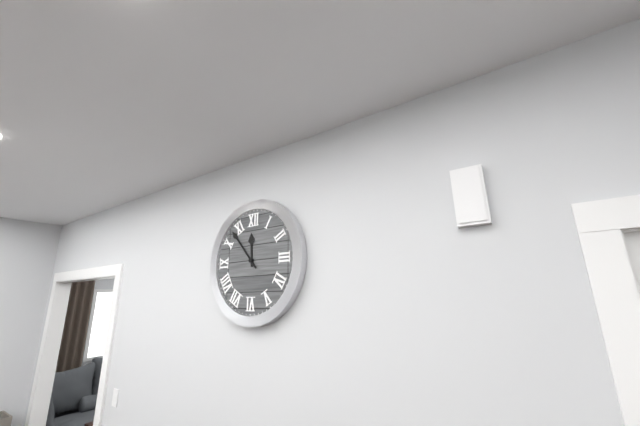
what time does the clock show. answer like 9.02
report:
11.53
